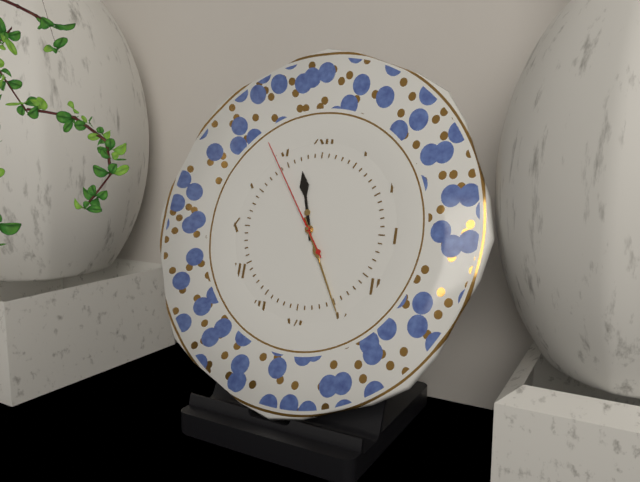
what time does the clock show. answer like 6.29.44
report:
11.25.54
